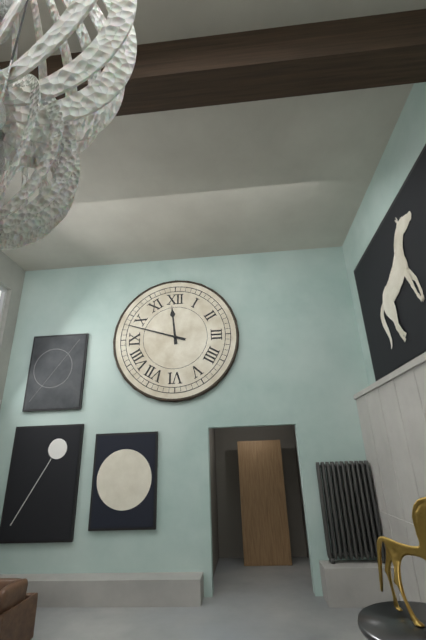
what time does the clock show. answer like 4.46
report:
11.48
